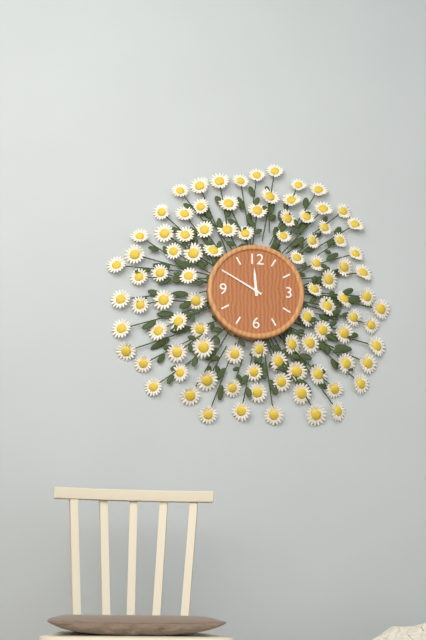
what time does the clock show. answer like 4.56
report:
11.50
